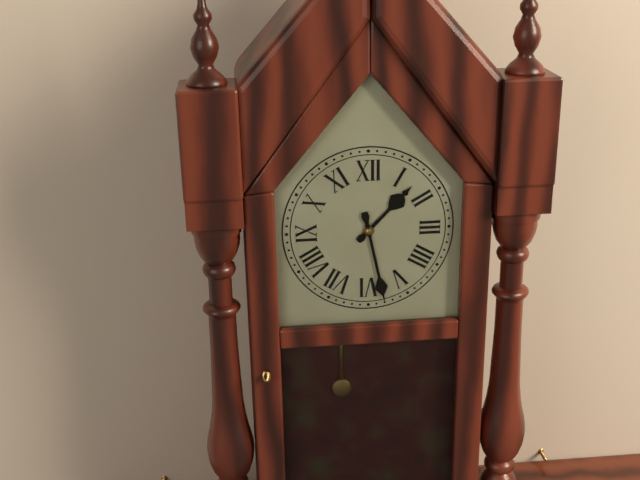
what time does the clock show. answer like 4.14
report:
1.28
